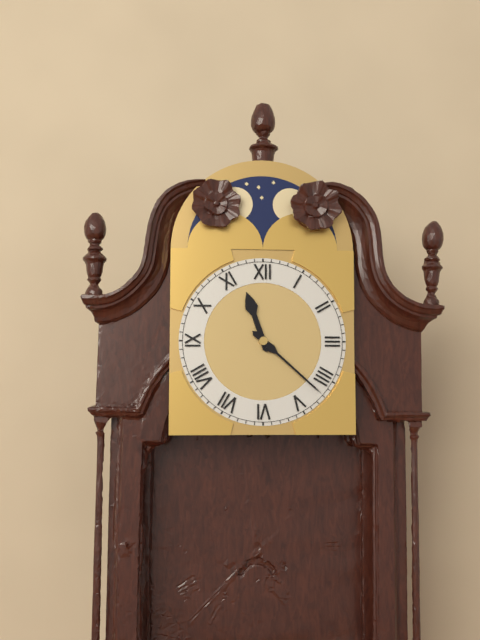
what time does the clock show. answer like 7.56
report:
11.22
